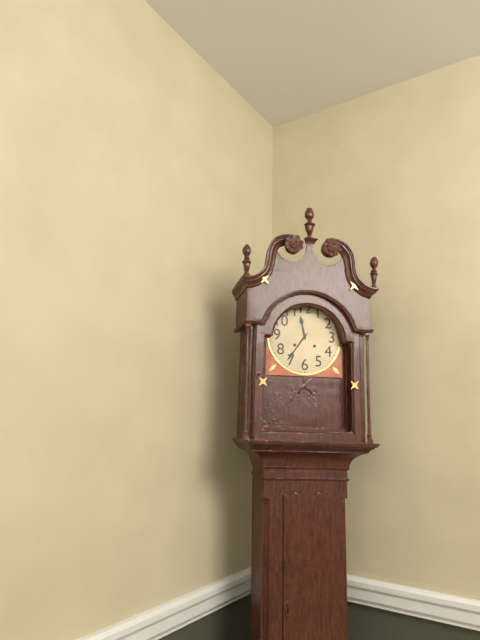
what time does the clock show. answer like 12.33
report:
11.36
